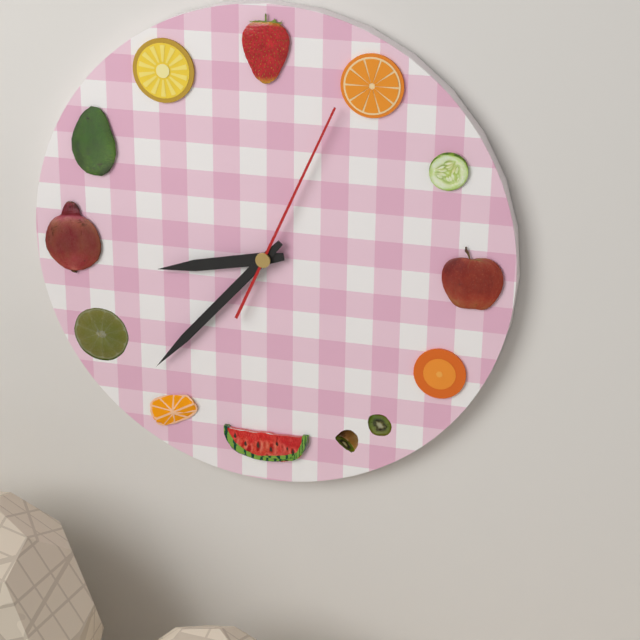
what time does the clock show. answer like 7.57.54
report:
8.37.04
